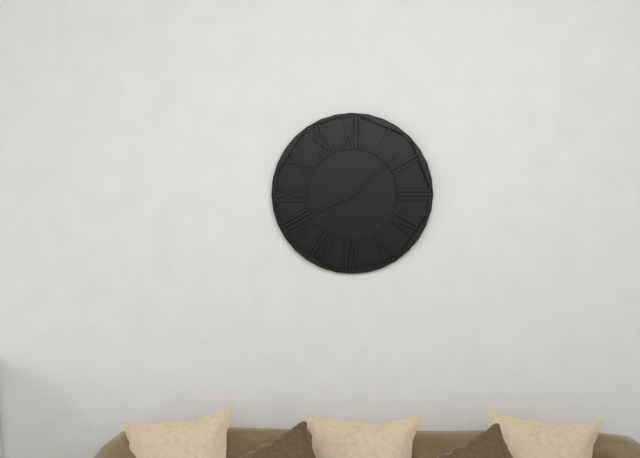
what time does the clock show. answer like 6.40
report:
8.08
